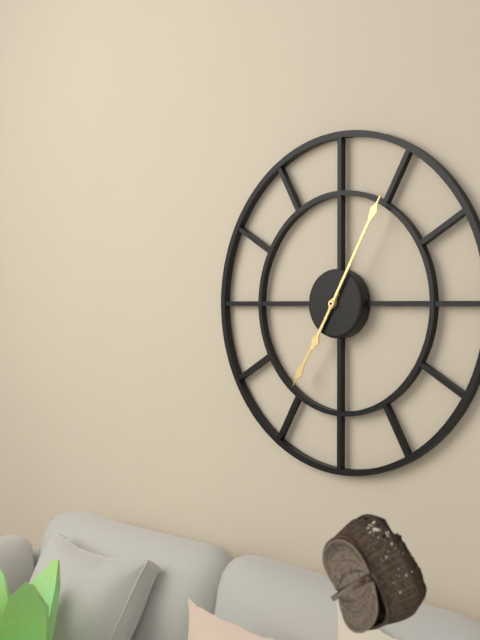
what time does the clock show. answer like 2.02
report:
7.05
